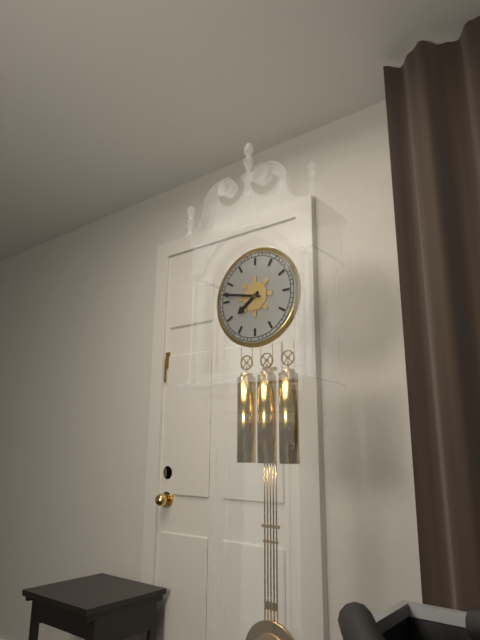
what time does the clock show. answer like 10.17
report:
7.47
